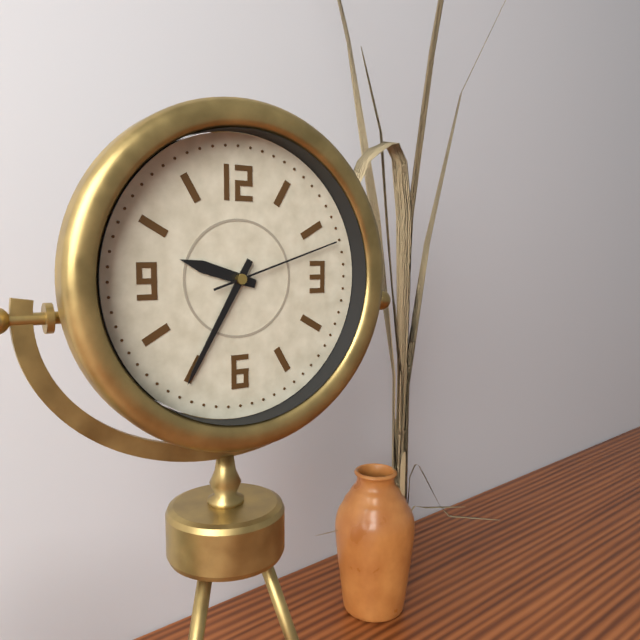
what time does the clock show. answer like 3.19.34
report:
9.35.12
